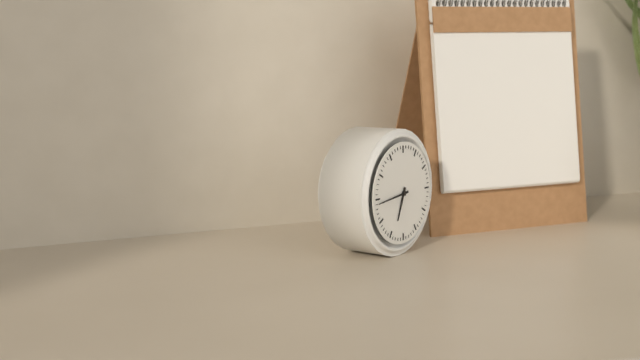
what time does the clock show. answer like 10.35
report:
6.44
